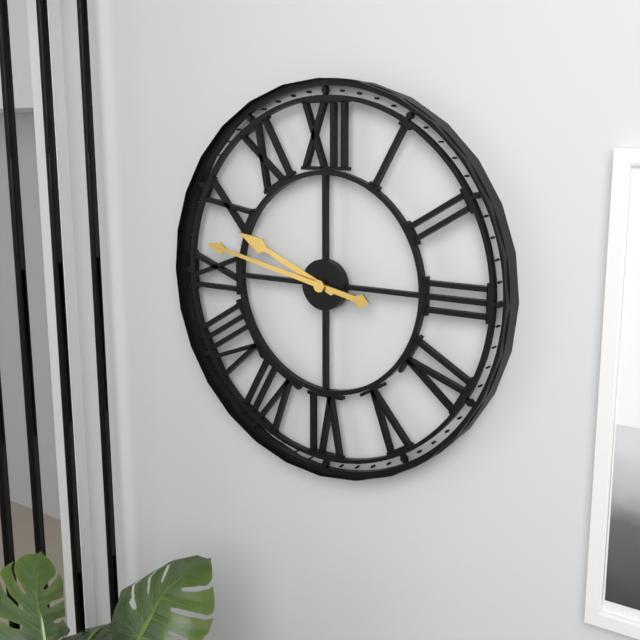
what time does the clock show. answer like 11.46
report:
9.47
